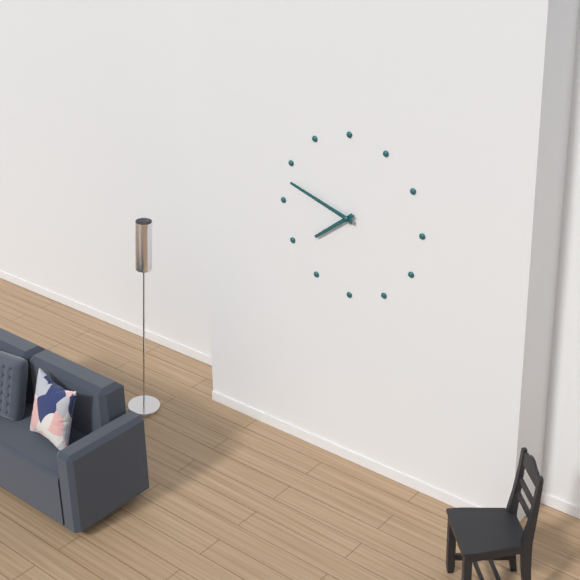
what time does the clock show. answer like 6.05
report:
7.48
